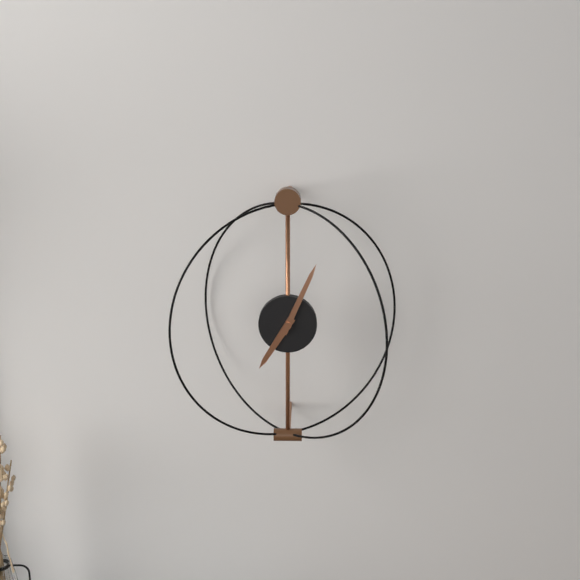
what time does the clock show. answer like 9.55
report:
7.04
